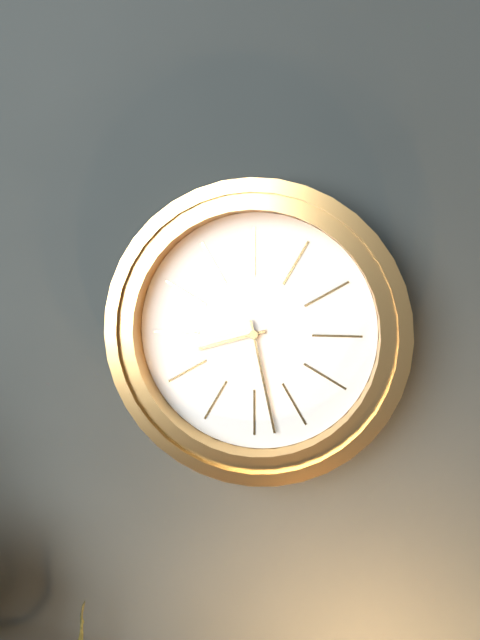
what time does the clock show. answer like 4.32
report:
8.28
